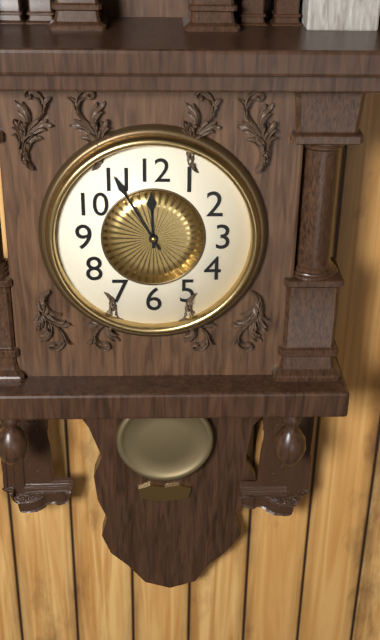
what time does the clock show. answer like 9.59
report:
11.55
